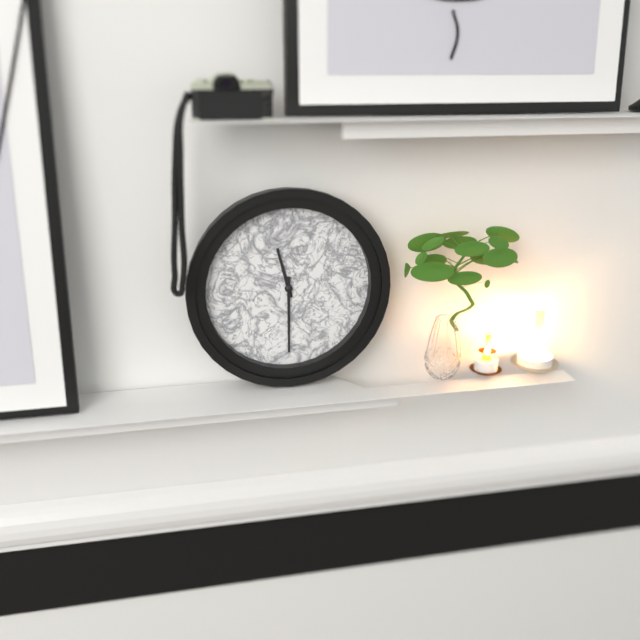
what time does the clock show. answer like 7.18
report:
11.30
